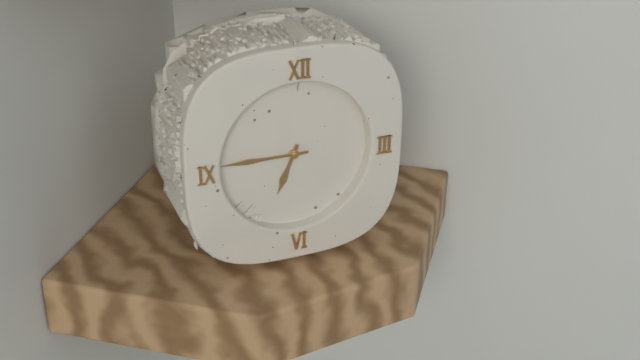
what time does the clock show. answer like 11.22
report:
6.45
